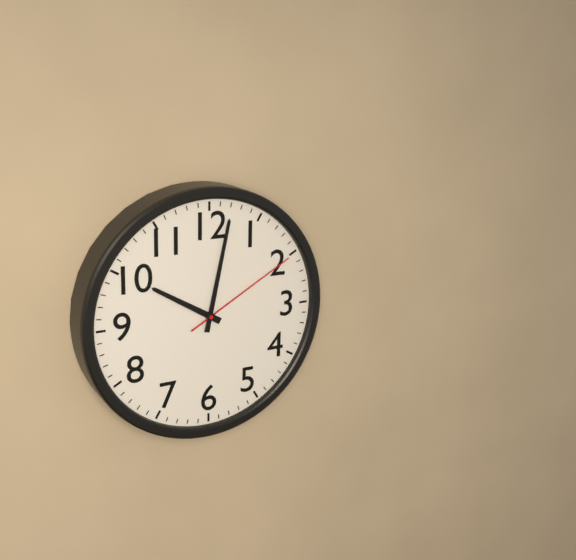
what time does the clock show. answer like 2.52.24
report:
10.02.10
